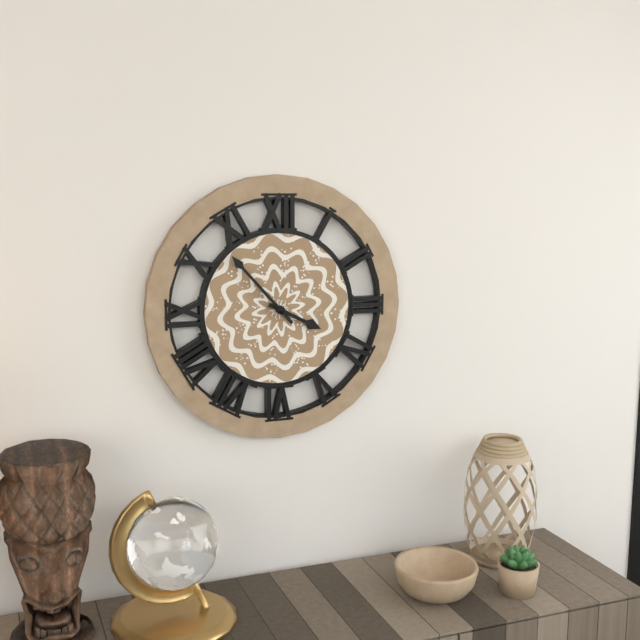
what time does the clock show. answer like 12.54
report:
3.53
